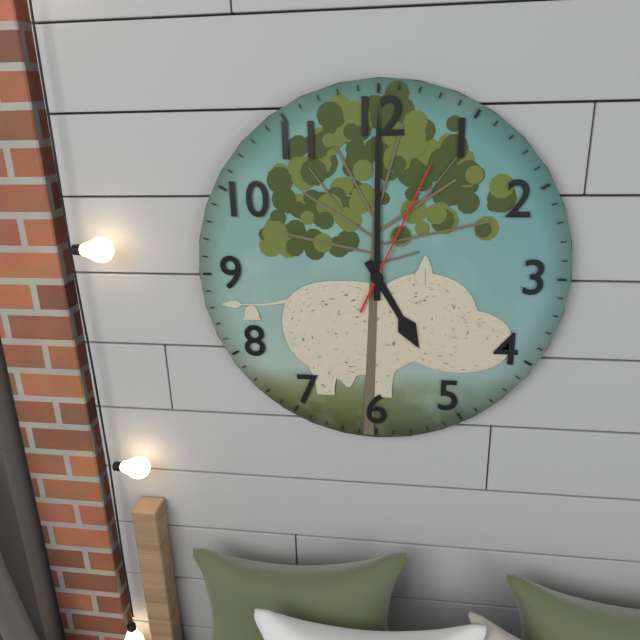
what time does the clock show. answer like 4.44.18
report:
5.00.04
